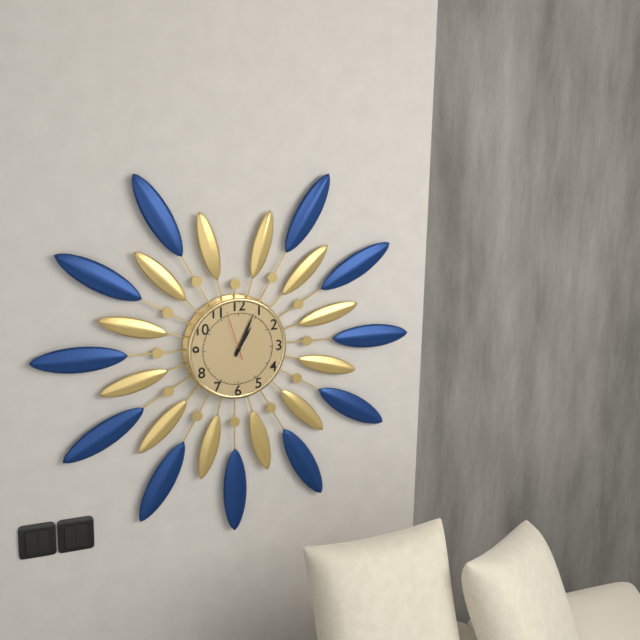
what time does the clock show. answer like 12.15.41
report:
1.04.57
